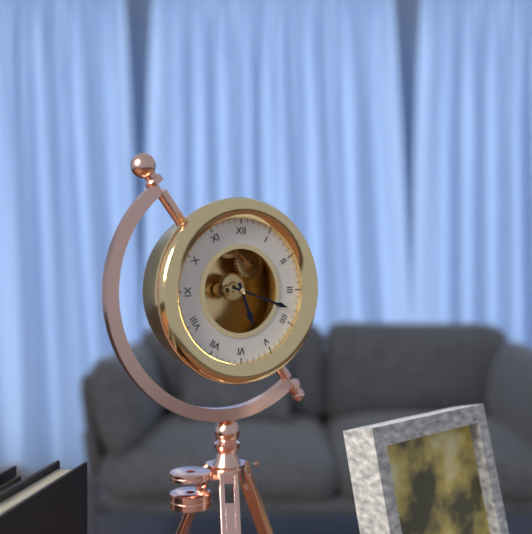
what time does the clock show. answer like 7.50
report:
5.18
